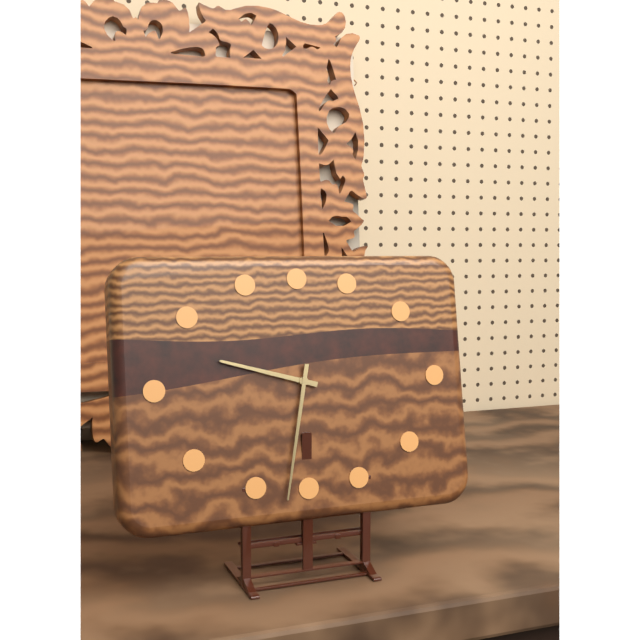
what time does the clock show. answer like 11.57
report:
9.32
